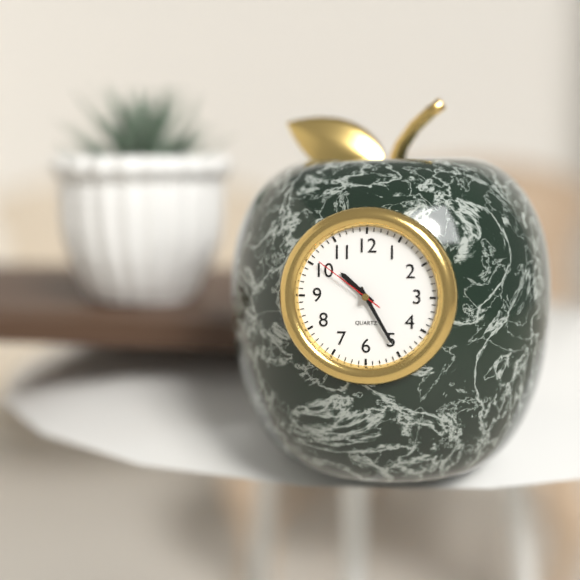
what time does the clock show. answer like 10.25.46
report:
10.25.51
